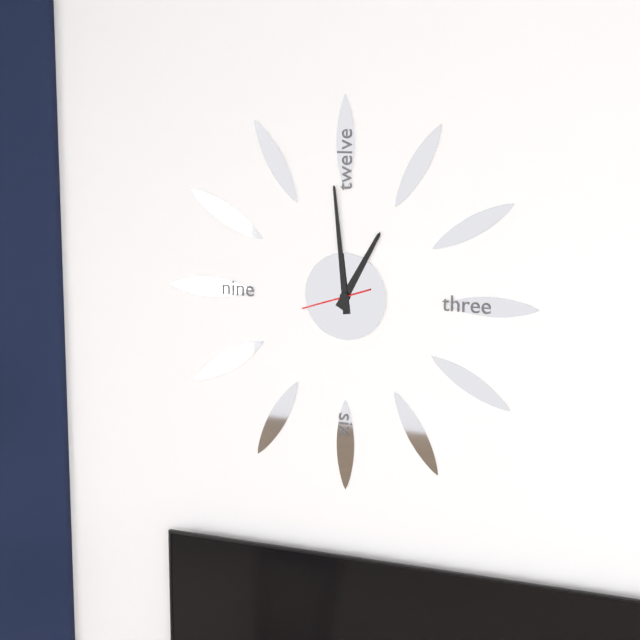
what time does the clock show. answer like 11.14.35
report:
12.59.42
